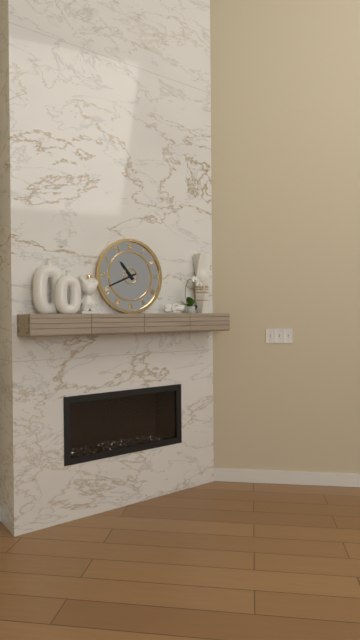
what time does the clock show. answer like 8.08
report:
10.41
